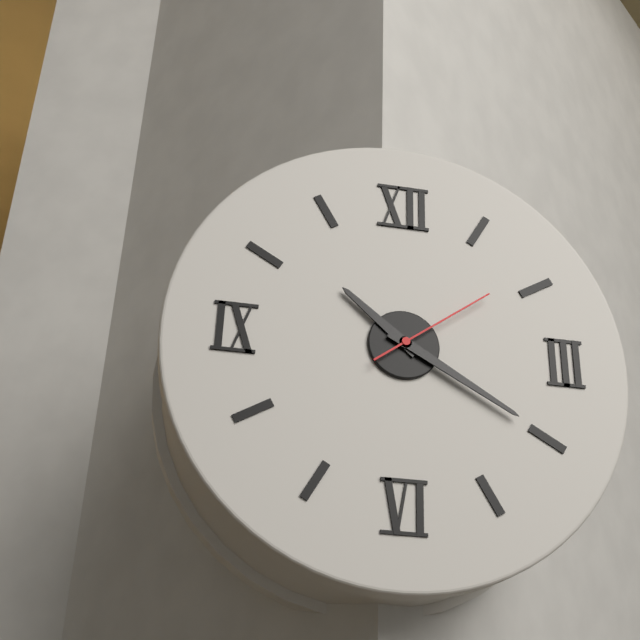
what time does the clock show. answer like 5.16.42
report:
10.20.09
